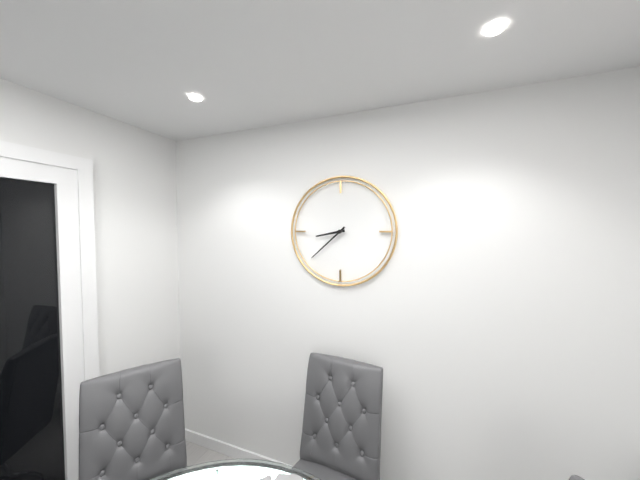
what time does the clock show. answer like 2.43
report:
8.38
